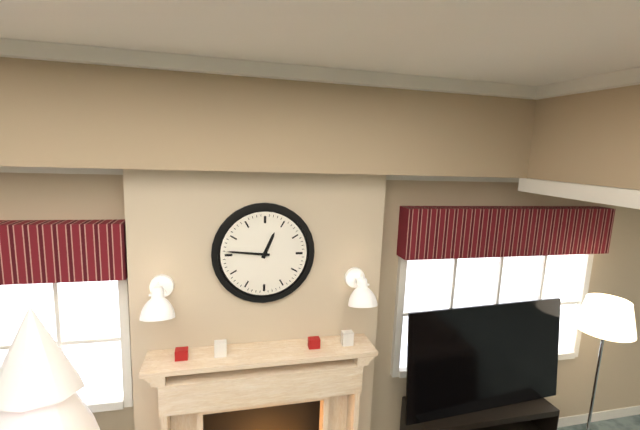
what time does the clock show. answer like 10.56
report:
12.46
